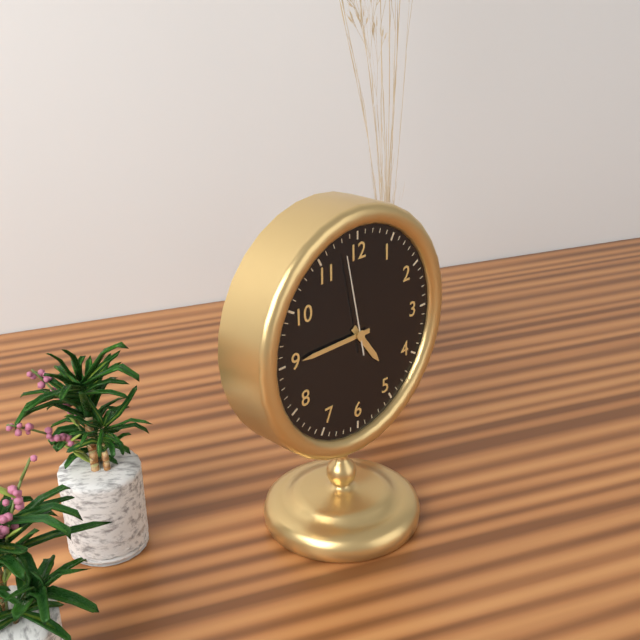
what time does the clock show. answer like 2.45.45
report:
4.45.58
